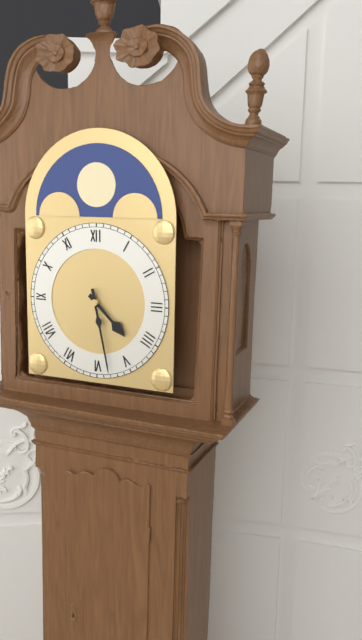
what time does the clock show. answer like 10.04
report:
4.28
